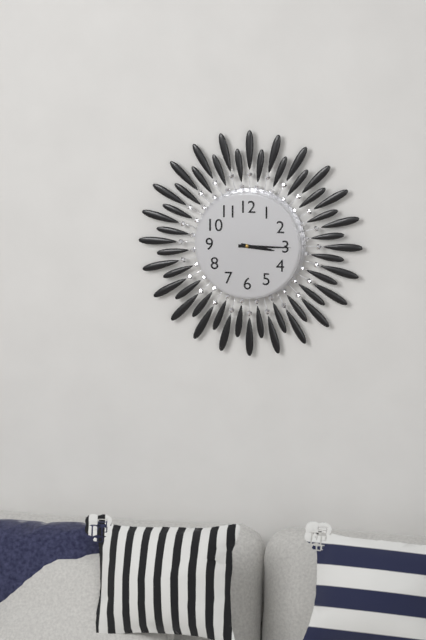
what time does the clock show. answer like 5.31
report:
3.15
